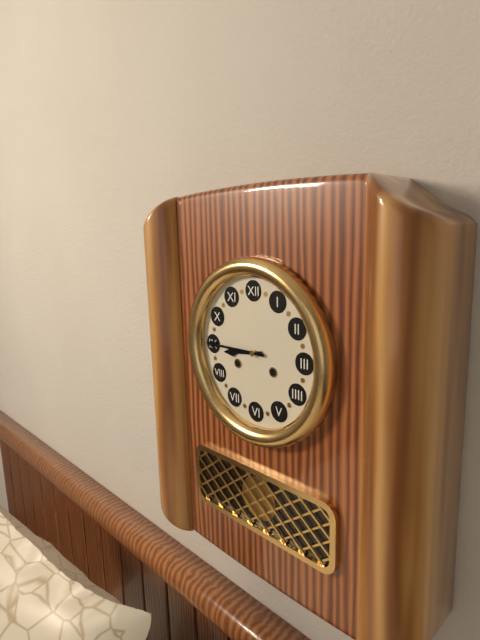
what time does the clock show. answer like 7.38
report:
8.45
